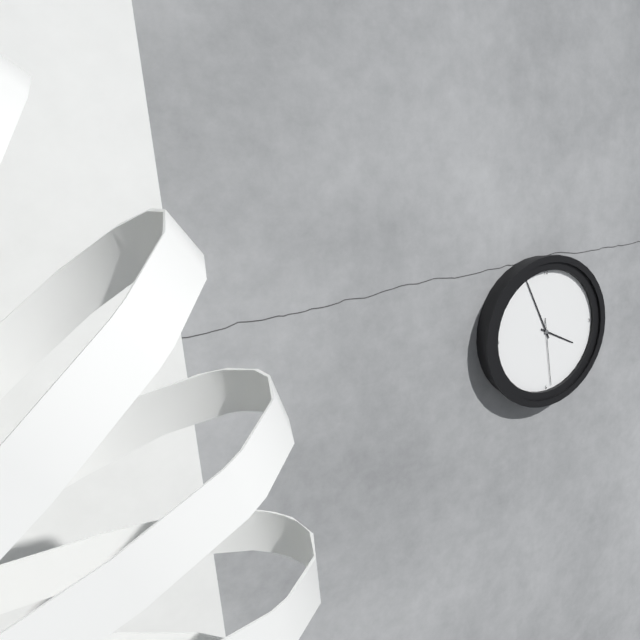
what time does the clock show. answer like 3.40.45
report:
3.56.29
